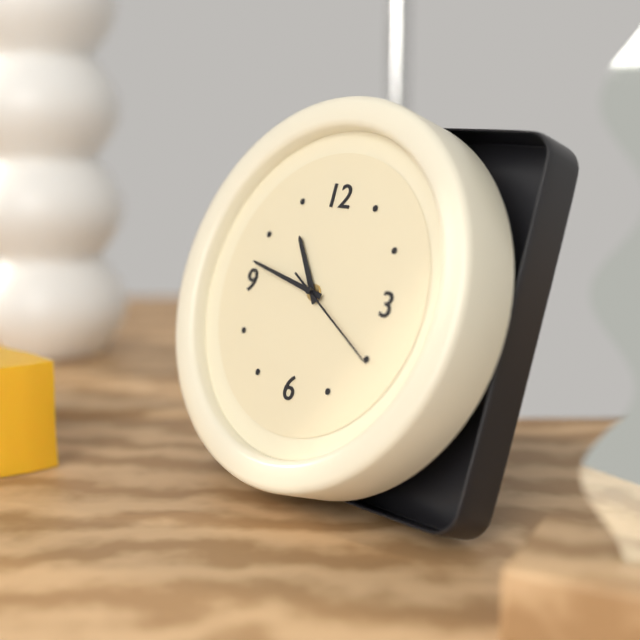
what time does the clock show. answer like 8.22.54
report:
10.47.20
